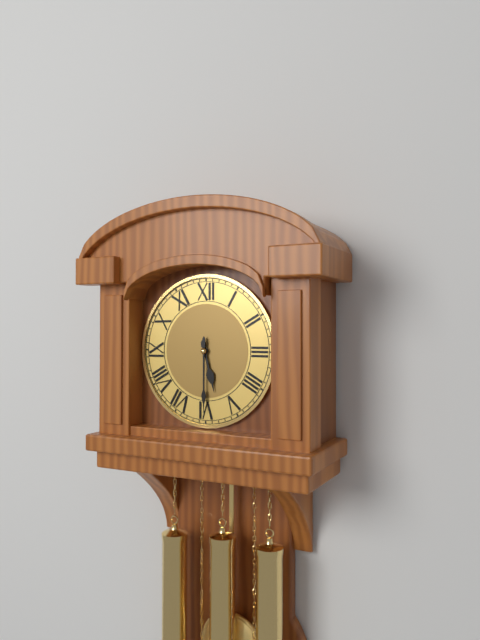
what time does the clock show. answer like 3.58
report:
5.30
